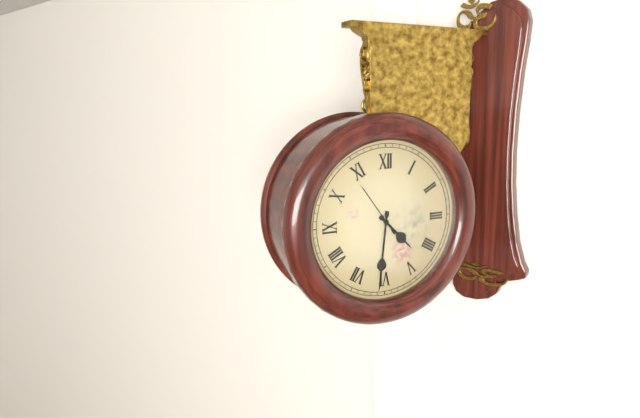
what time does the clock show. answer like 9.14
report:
4.31
